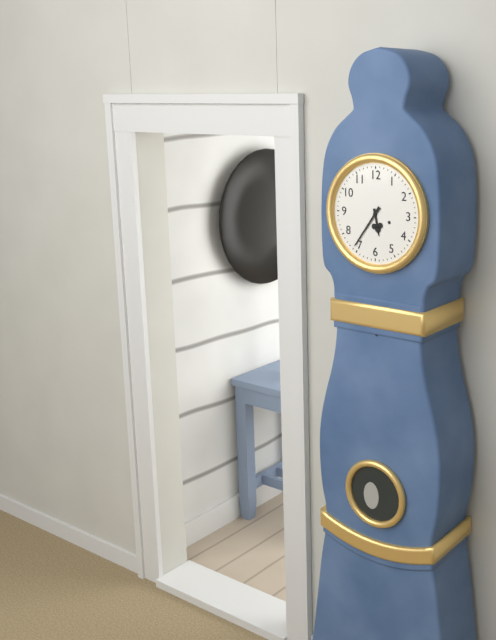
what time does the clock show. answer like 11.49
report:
5.36
